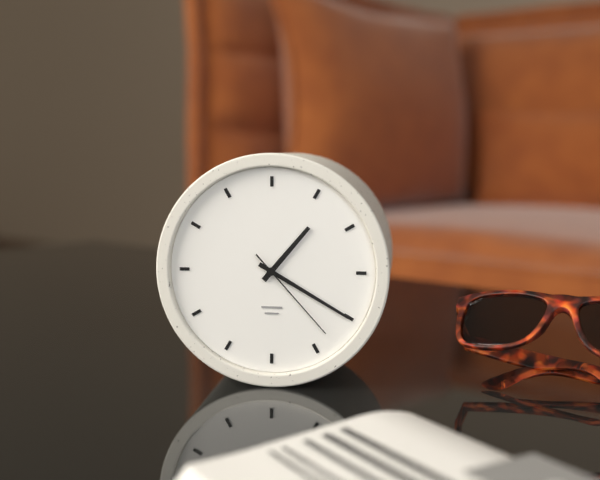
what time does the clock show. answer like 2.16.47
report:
1.20.23
